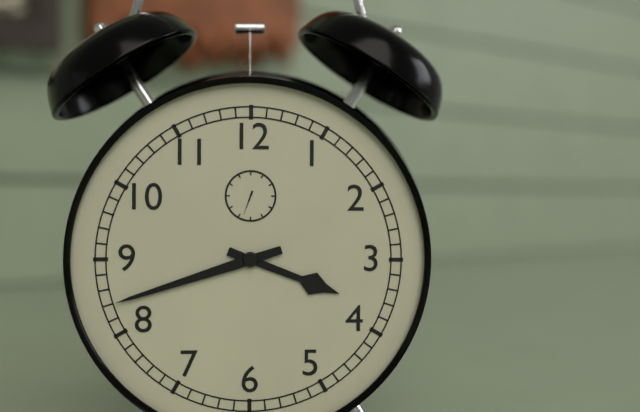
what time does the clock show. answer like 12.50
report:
3.42
